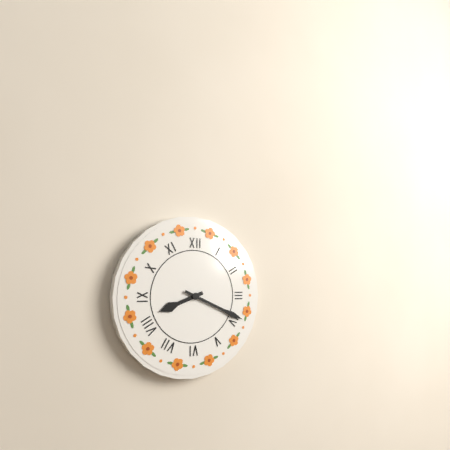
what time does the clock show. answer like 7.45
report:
8.19
